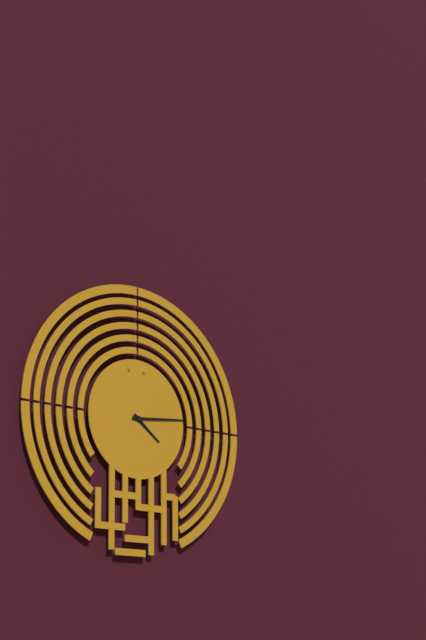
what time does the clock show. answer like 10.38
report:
4.14
